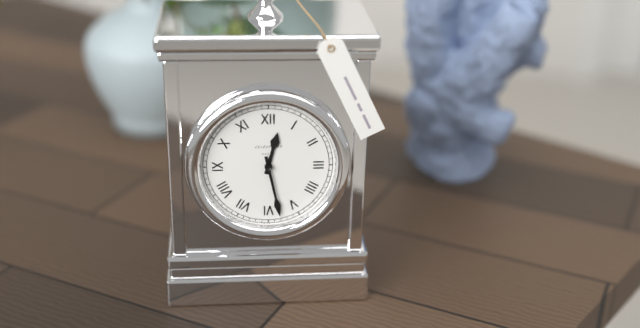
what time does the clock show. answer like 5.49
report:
12.28
